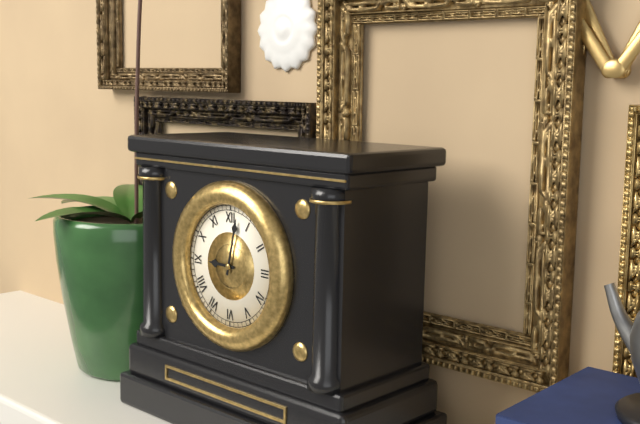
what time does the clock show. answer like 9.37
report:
9.02
